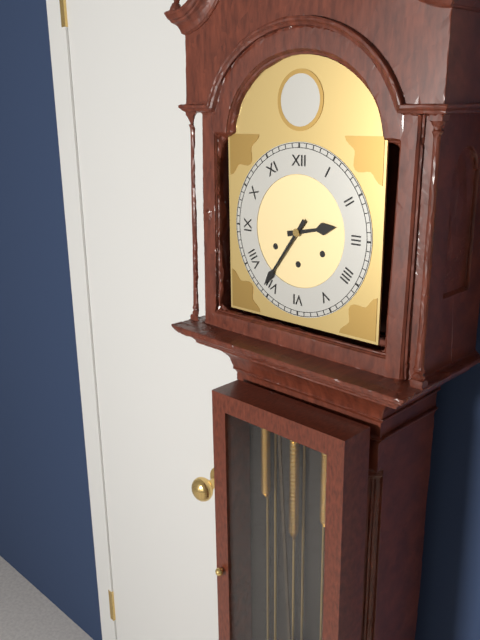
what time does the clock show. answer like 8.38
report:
2.36
